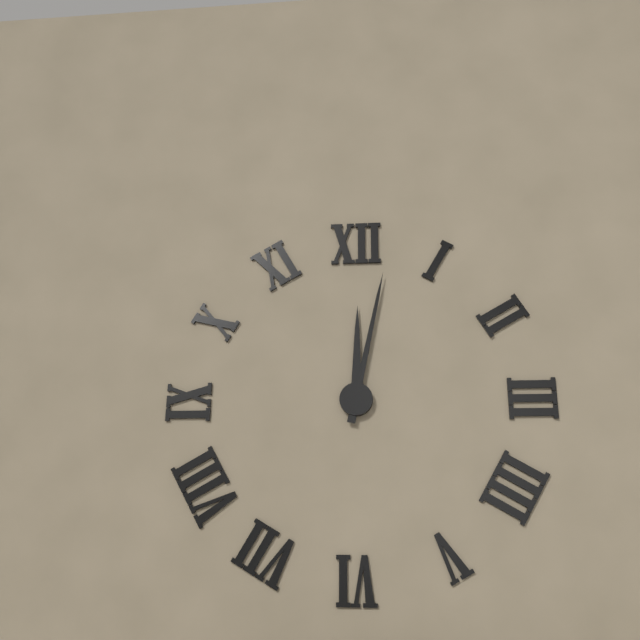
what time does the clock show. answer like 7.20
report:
12.02
